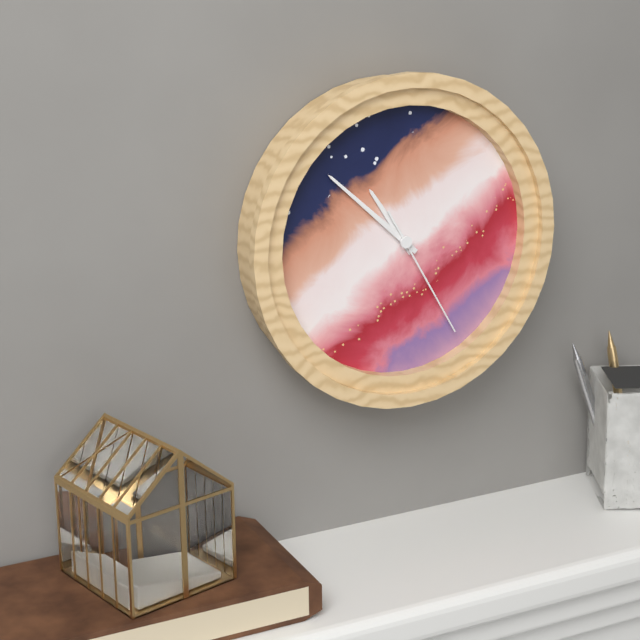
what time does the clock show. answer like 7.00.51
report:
10.52.25
